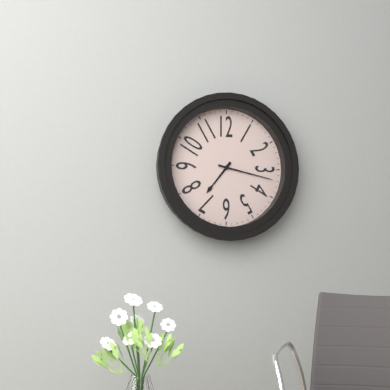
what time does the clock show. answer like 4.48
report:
7.17
